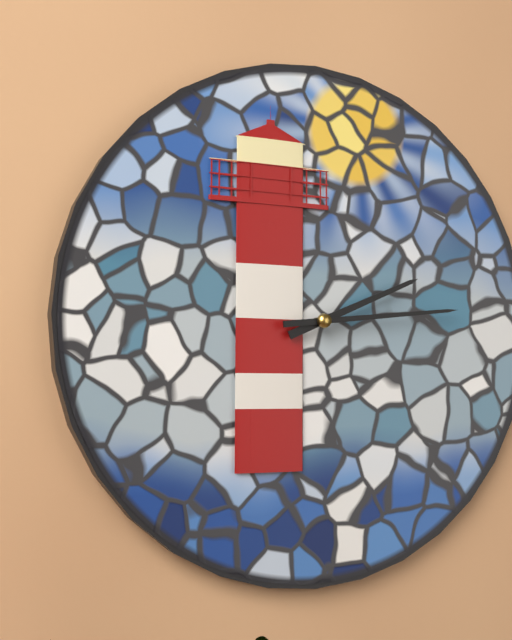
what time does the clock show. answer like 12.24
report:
2.14
